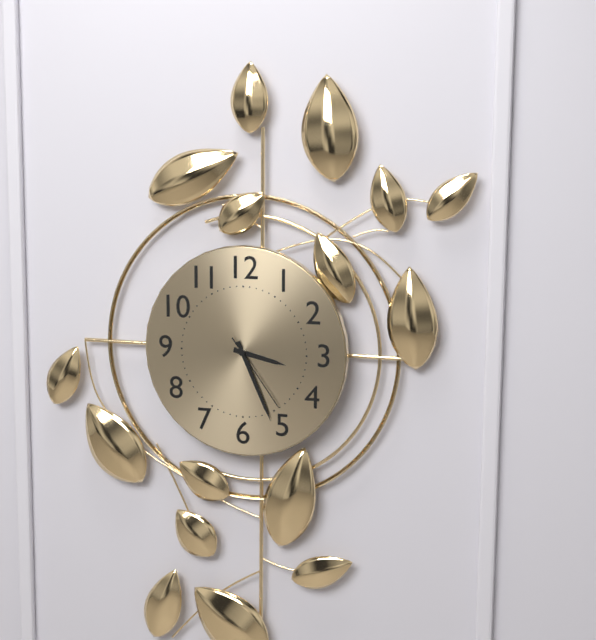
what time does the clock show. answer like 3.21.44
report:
3.26.24
